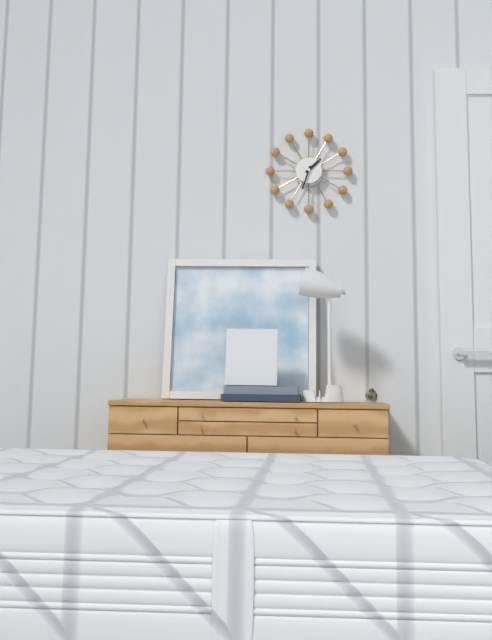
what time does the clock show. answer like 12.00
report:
1.33
